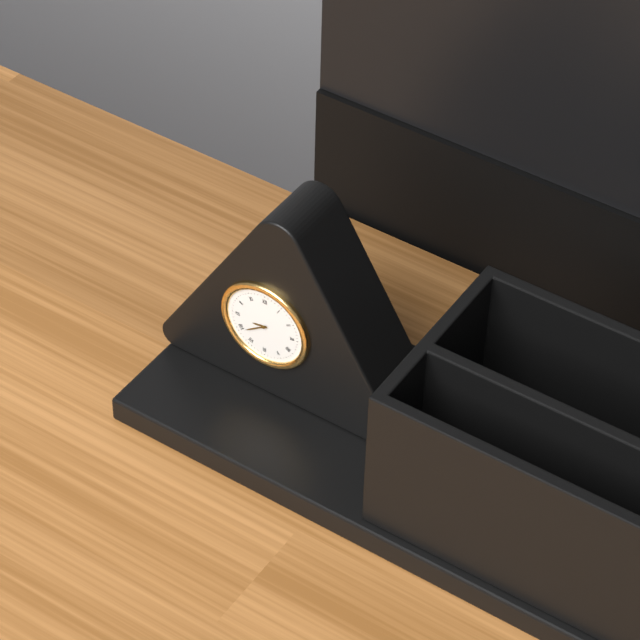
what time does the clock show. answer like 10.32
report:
8.39
